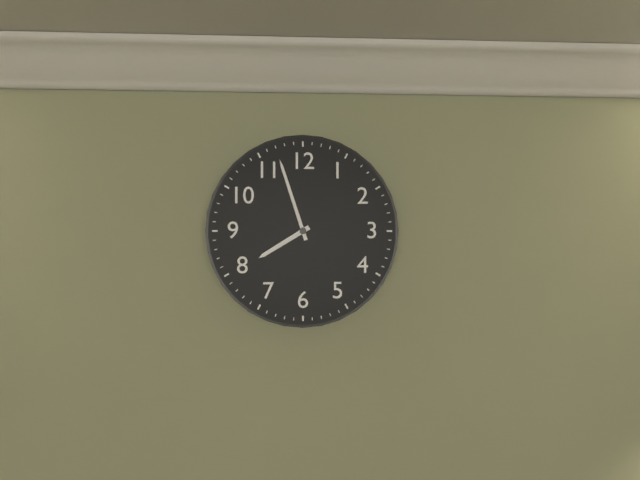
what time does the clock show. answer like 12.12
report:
7.57
